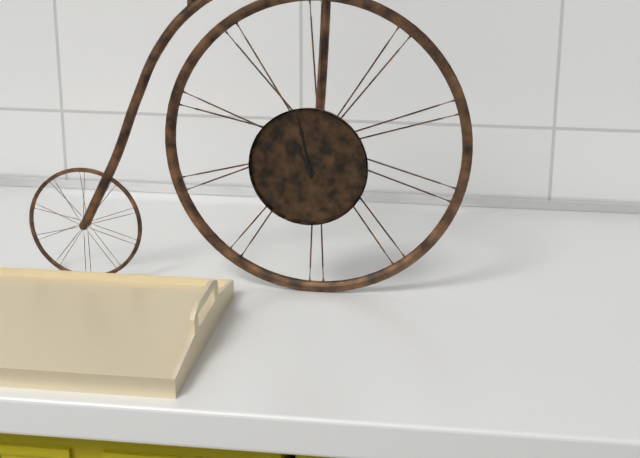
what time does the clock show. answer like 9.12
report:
10.58
